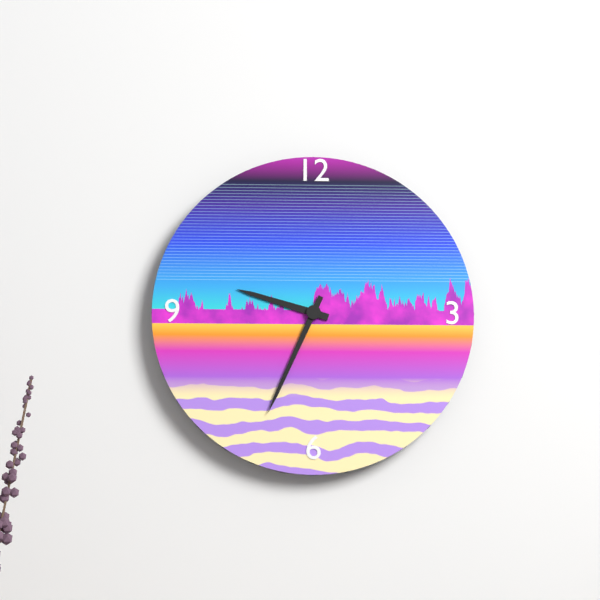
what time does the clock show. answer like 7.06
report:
9.34
